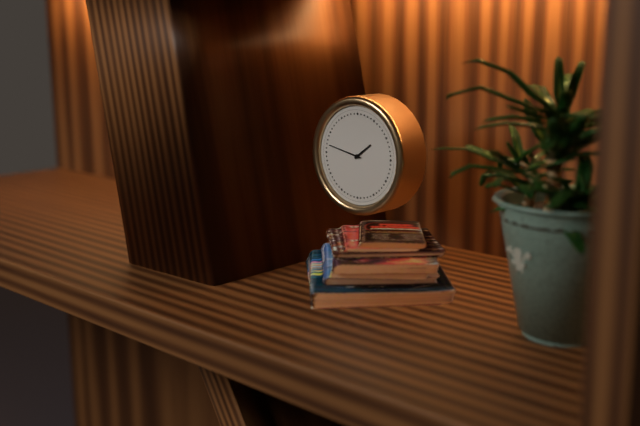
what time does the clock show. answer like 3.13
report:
1.47
